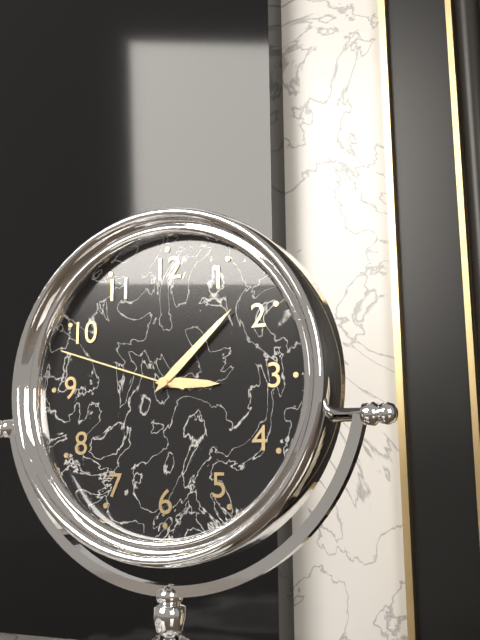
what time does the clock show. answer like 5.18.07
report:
3.08.48
